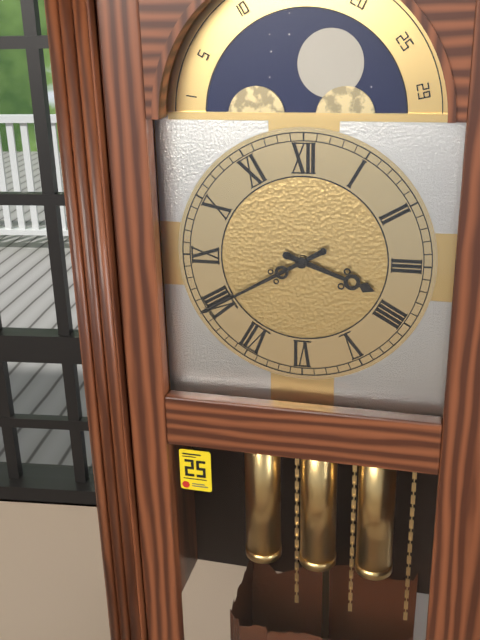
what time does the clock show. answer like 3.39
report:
3.40
